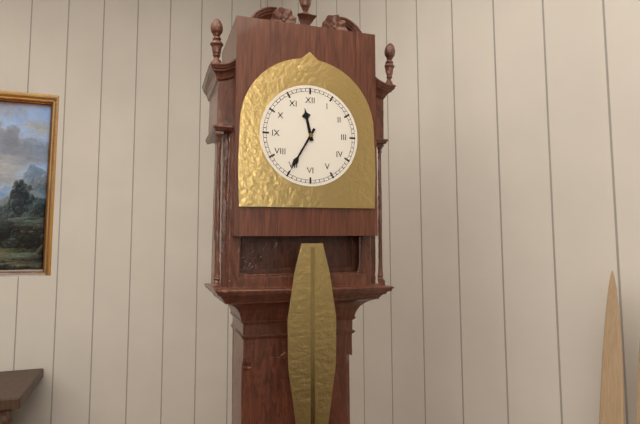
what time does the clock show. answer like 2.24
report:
11.35
